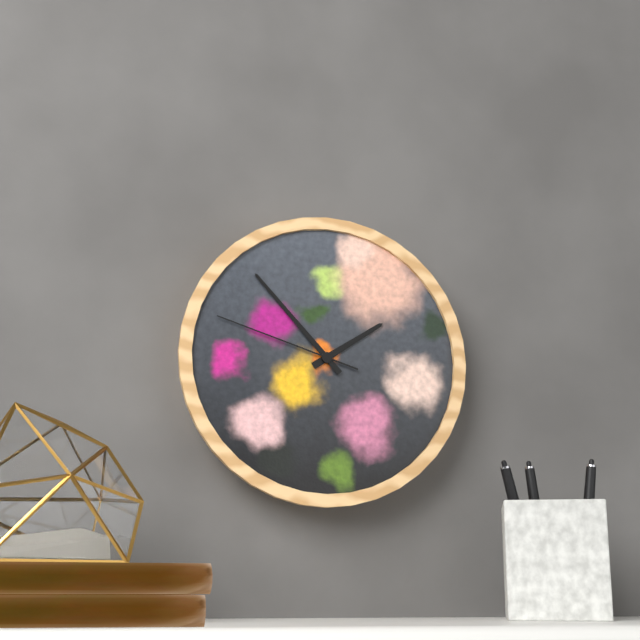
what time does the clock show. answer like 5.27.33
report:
1.53.48
